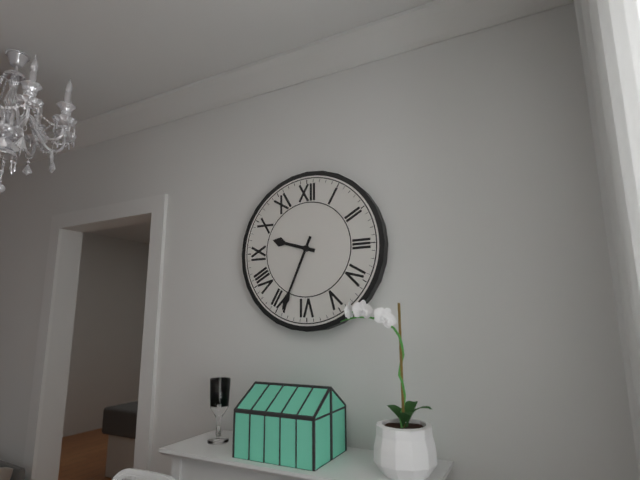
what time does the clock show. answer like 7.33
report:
9.34
